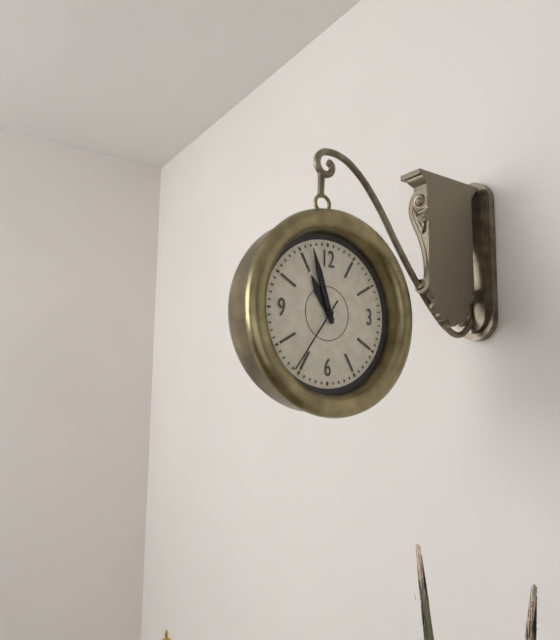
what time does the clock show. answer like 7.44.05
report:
10.57.36
